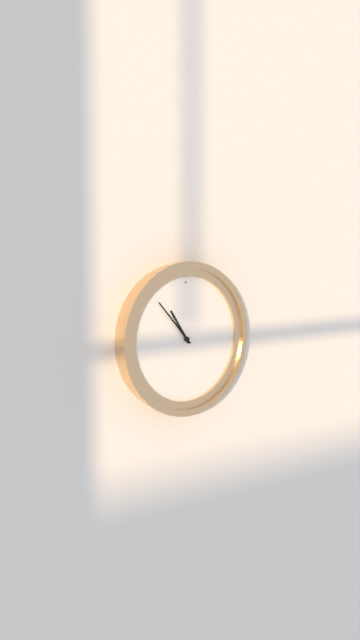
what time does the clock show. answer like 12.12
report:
10.53
